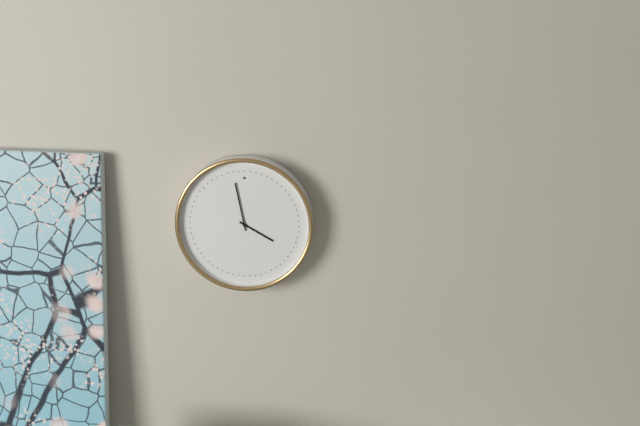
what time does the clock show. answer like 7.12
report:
3.58
